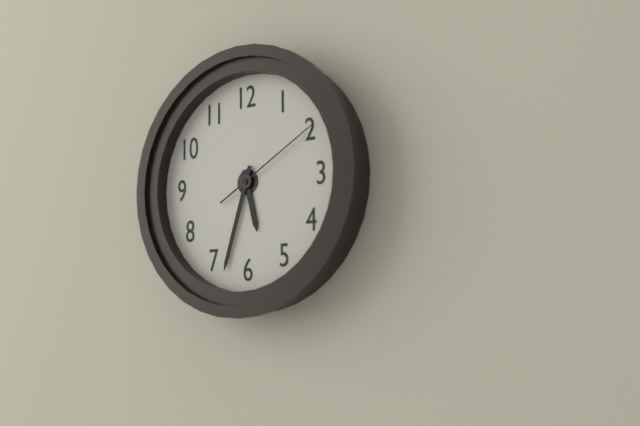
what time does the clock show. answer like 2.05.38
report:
5.33.10
